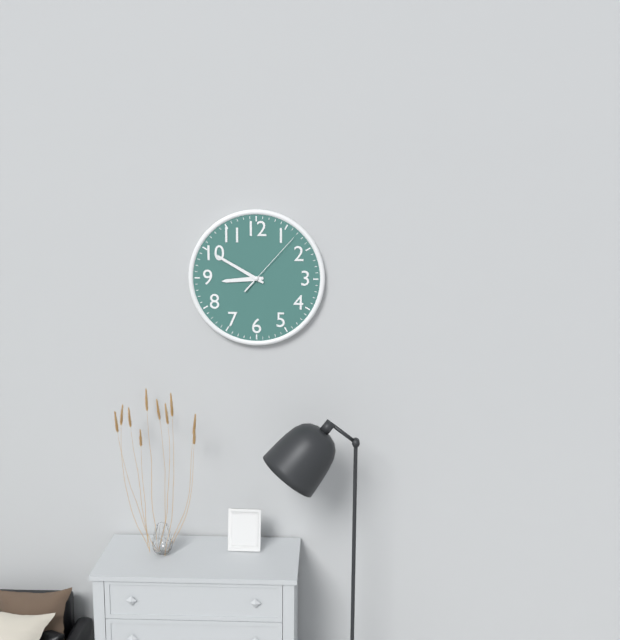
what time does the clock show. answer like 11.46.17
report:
8.50.07
